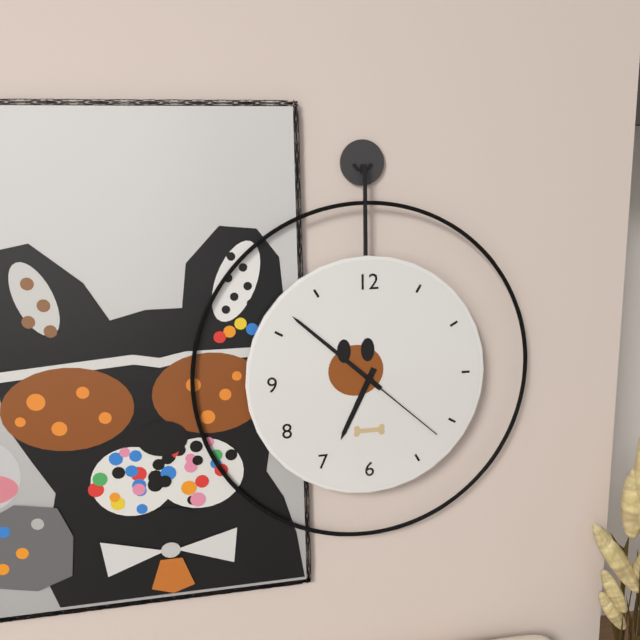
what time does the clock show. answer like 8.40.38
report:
6.52.22
